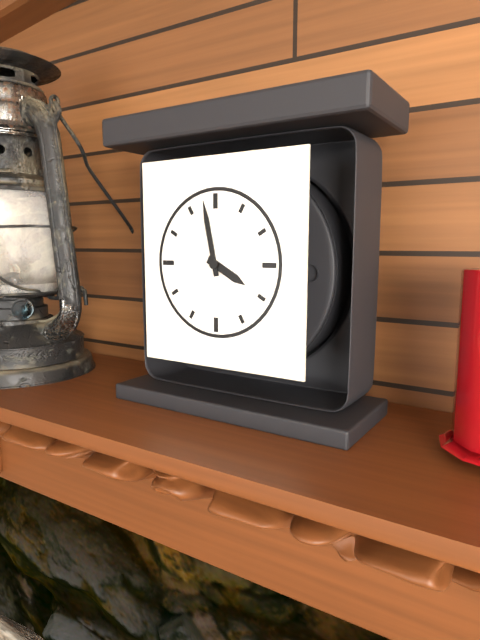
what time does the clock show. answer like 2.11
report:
3.58
